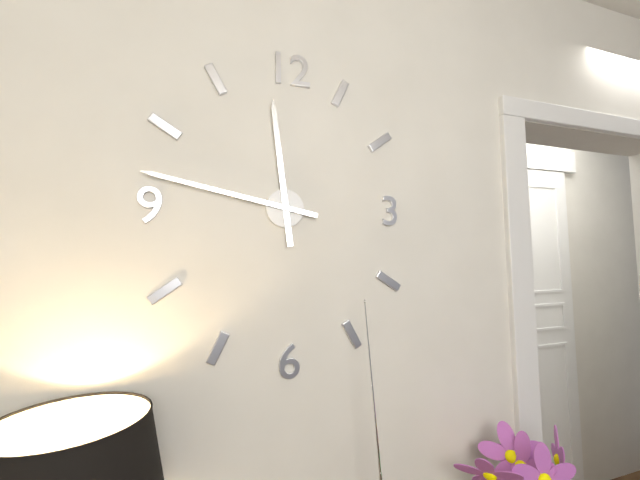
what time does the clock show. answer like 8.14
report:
11.47
